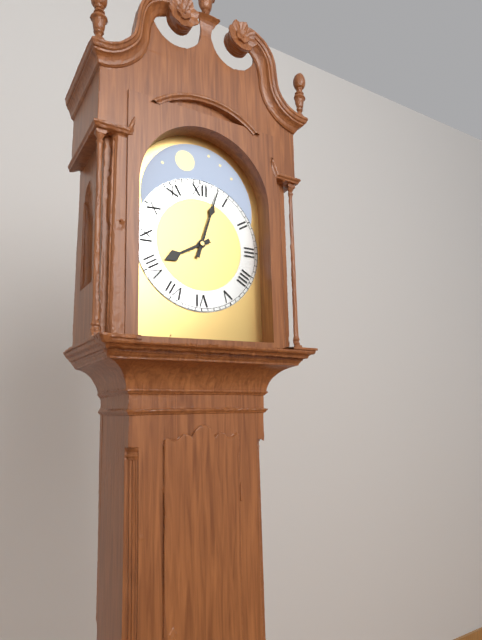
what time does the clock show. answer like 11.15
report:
8.03
